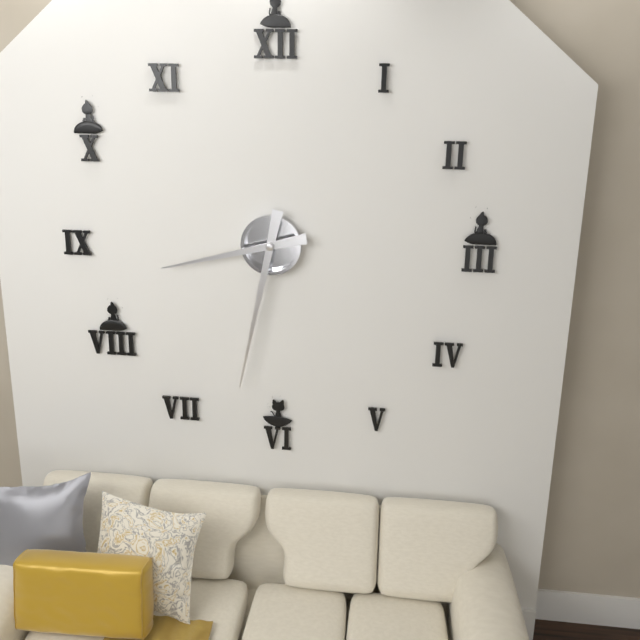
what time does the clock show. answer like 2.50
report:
8.32
